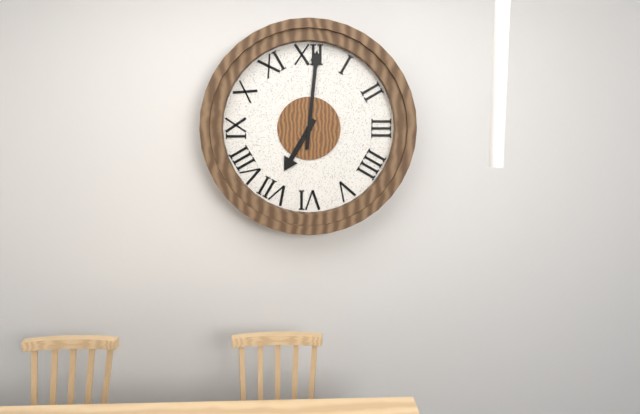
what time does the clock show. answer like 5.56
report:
7.01
